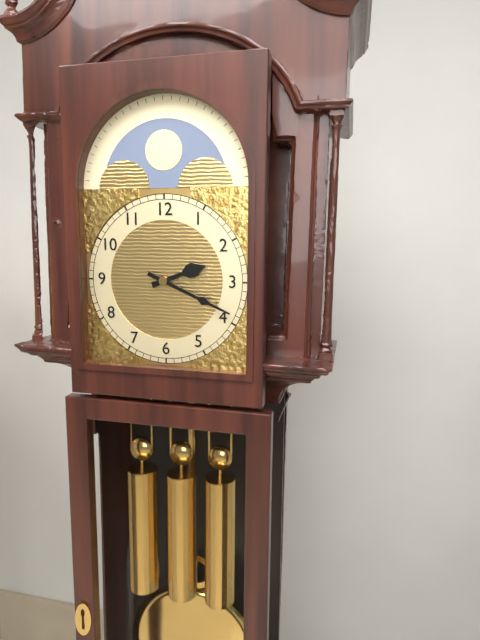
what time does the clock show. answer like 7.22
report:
2.19
